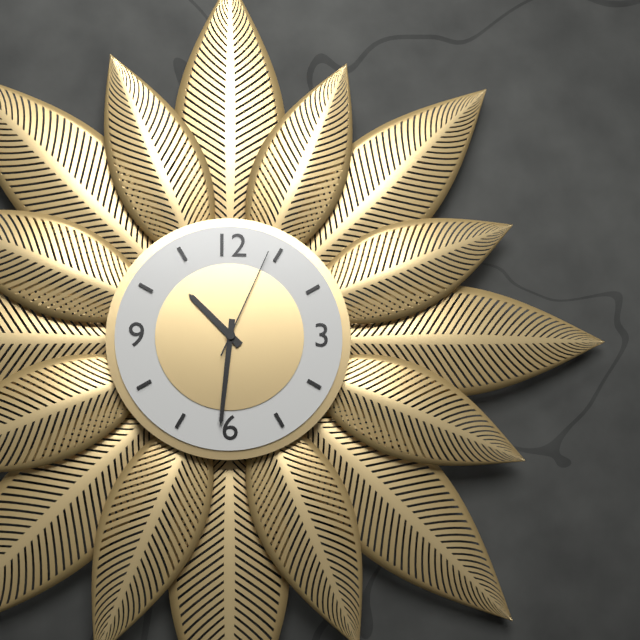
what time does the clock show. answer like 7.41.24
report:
10.31.04
